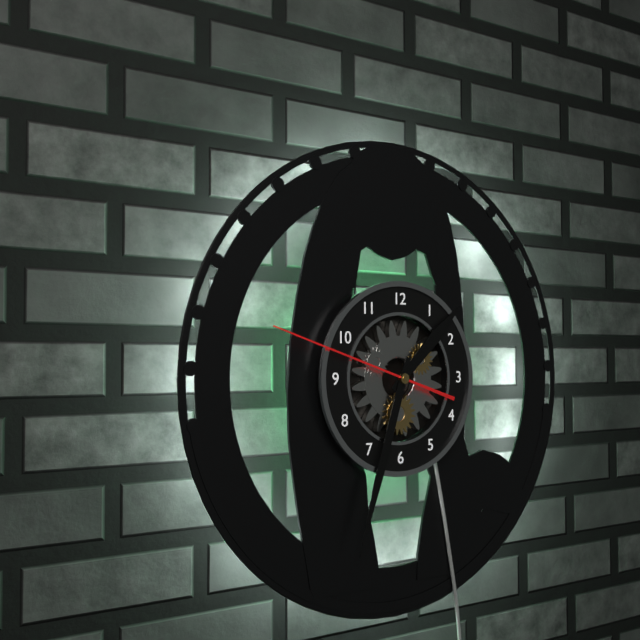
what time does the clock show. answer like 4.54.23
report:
1.33.48
